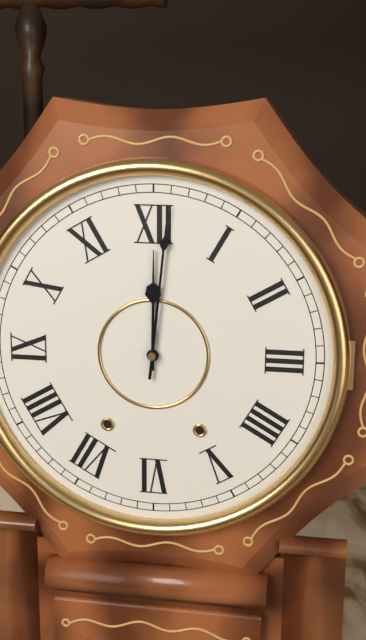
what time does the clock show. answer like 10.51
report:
12.01
